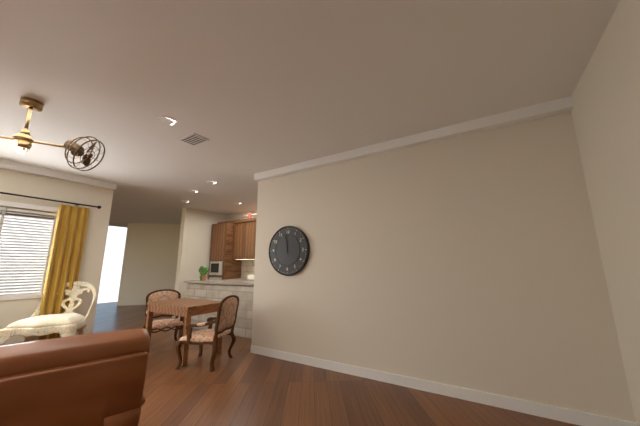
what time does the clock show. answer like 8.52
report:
2.58
